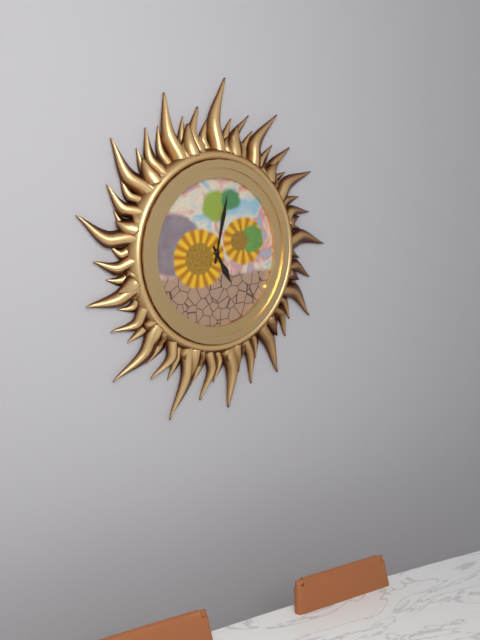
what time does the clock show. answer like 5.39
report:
5.02
